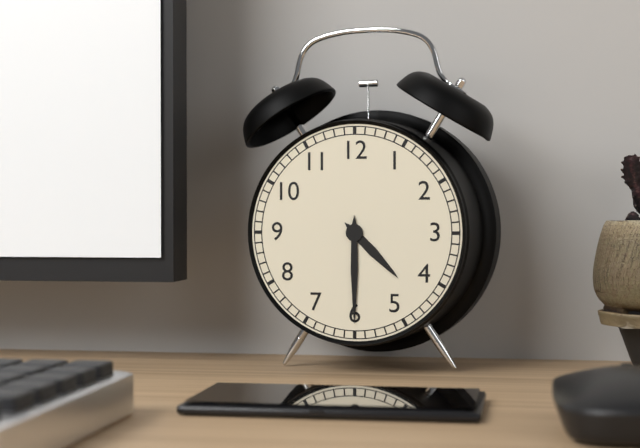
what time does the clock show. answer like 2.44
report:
4.30
